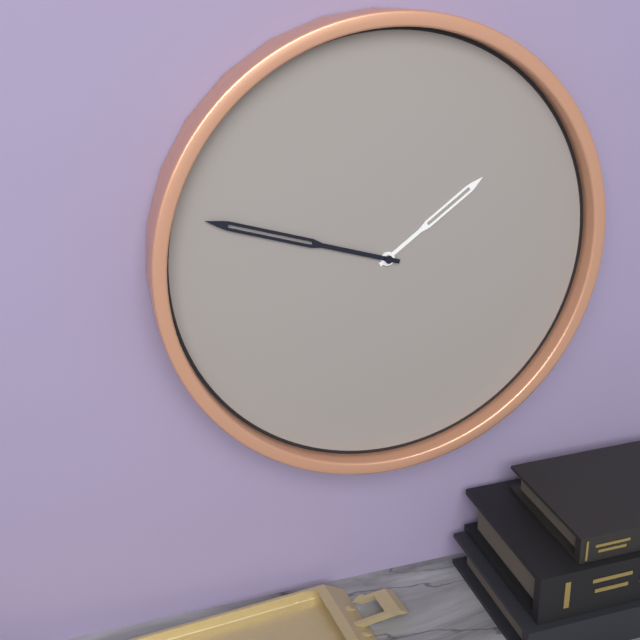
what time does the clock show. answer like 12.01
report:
1.48
